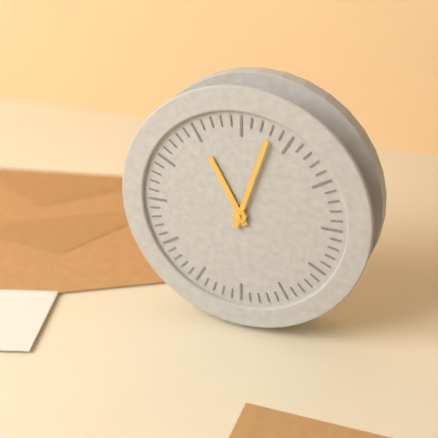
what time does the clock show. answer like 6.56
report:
11.03
